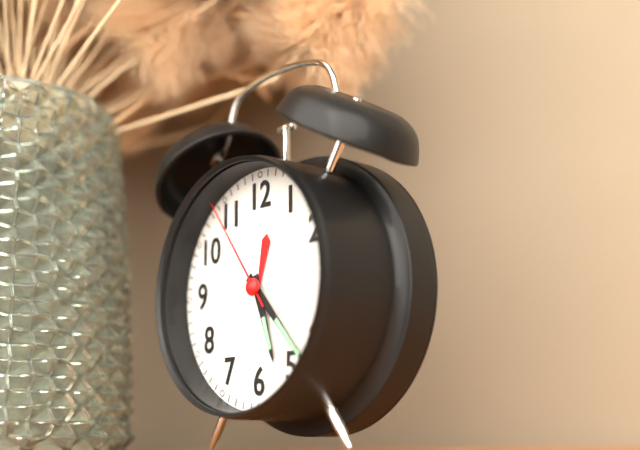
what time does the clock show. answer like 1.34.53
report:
5.23.54
